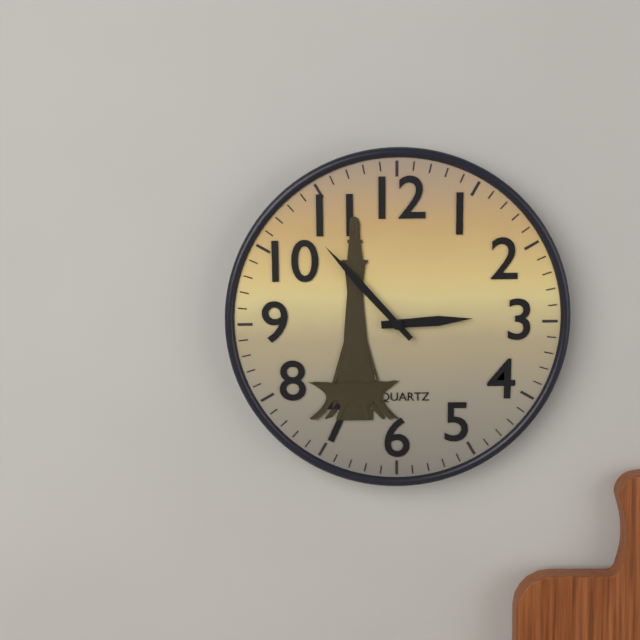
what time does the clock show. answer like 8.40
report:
2.53
